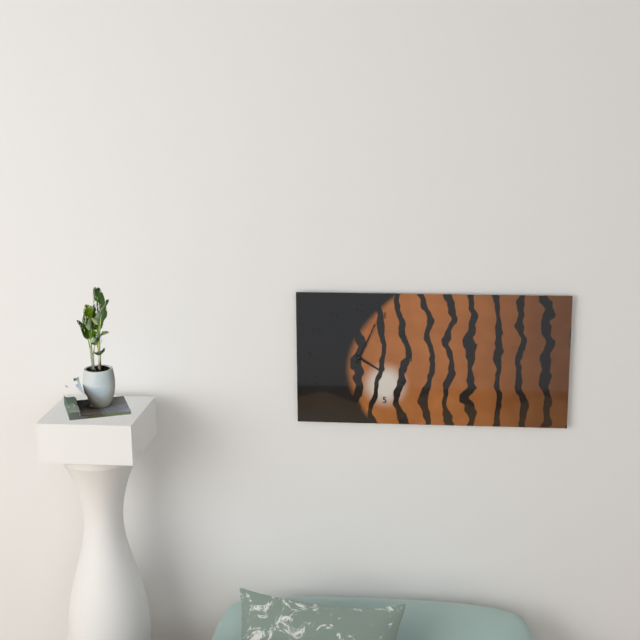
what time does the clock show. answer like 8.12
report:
4.04
